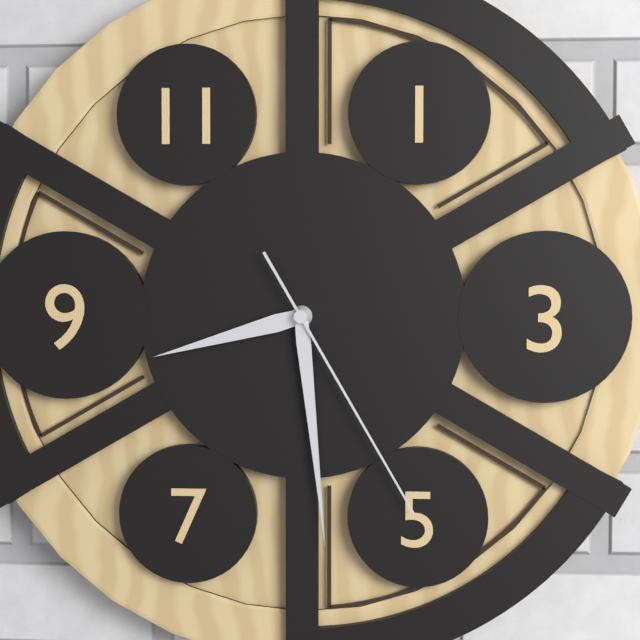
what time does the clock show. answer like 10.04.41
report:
8.29.25
